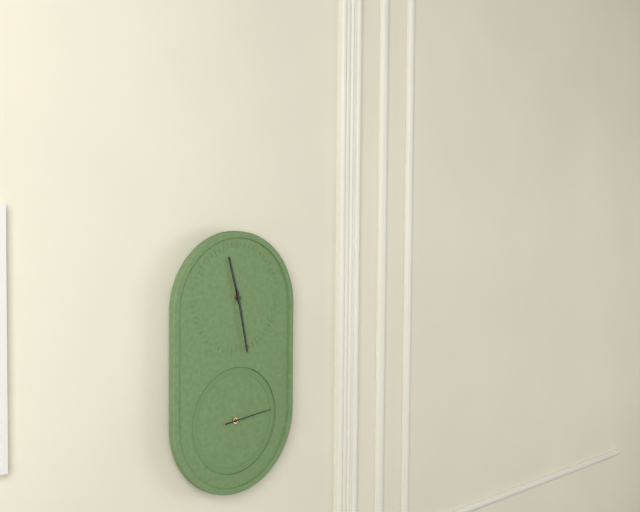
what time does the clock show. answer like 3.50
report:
11.28
